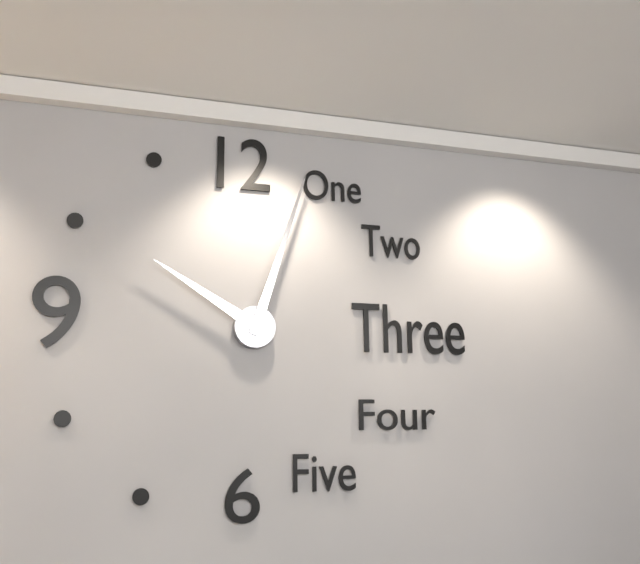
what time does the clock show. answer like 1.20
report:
10.03
